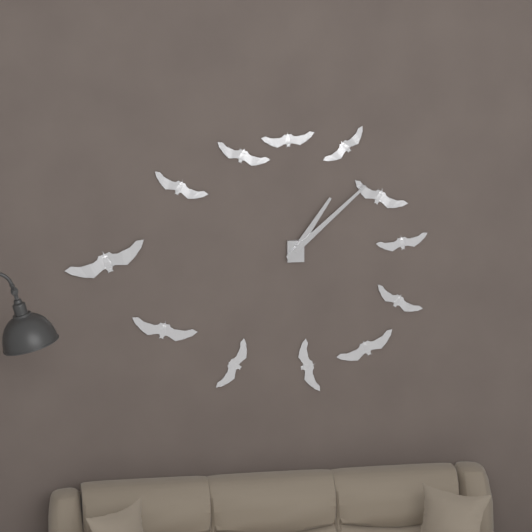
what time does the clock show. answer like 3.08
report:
1.08
